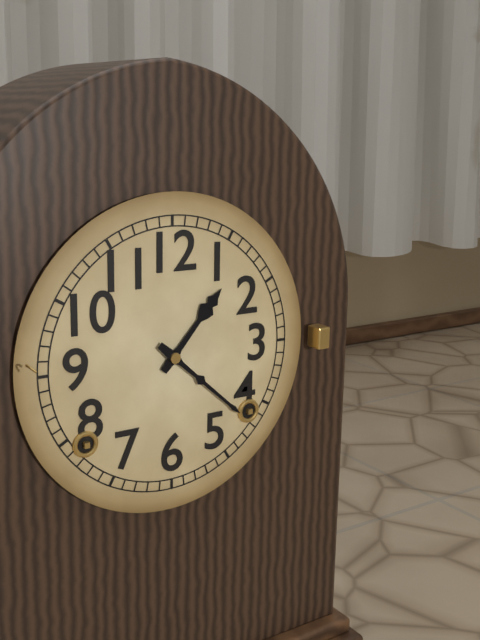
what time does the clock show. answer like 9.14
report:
1.22
